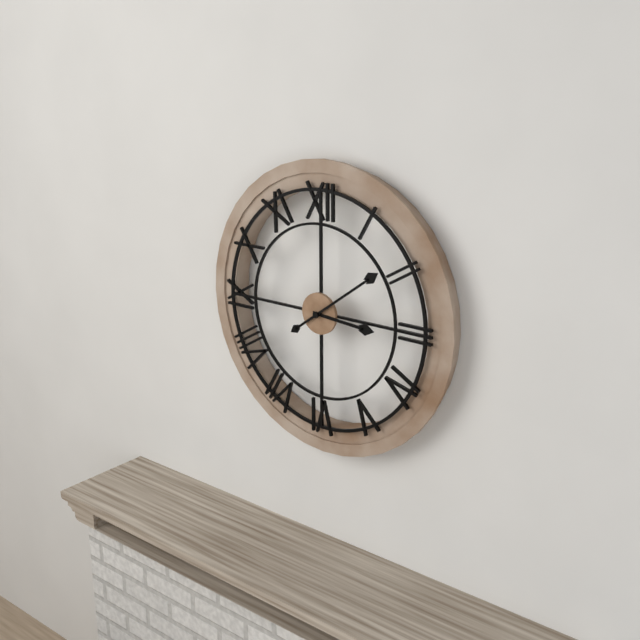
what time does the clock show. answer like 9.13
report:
3.09
